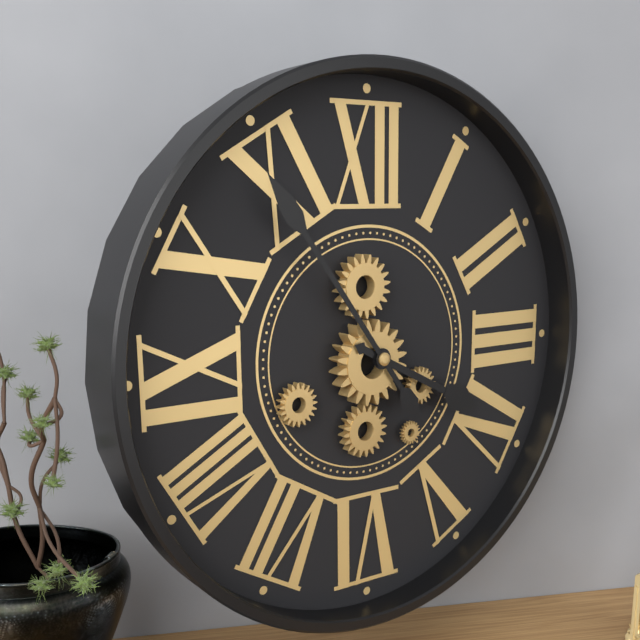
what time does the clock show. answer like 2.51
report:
3.54
